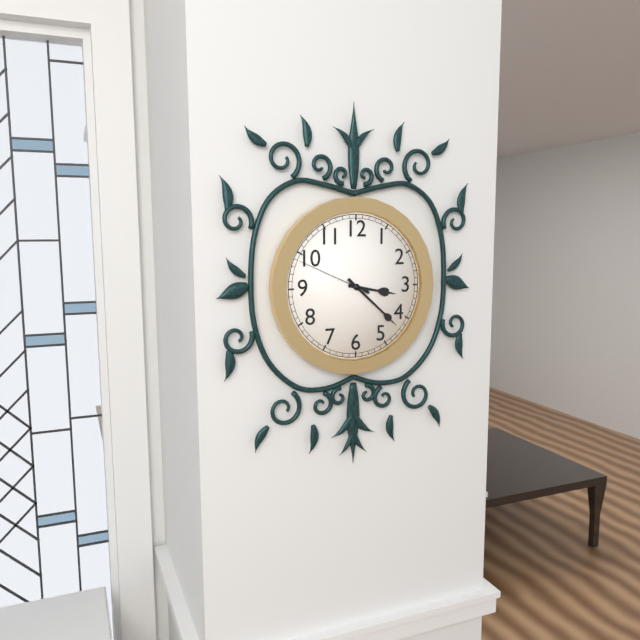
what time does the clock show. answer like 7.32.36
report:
3.22.49
